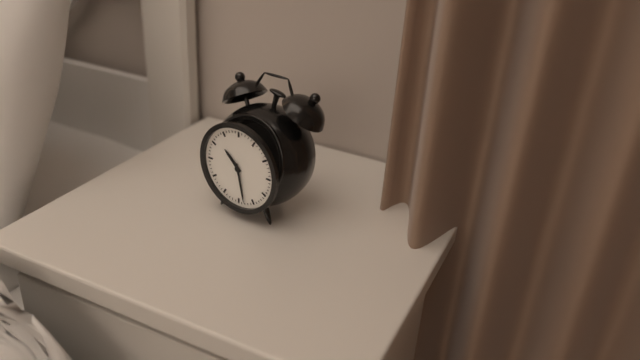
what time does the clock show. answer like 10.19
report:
10.28
